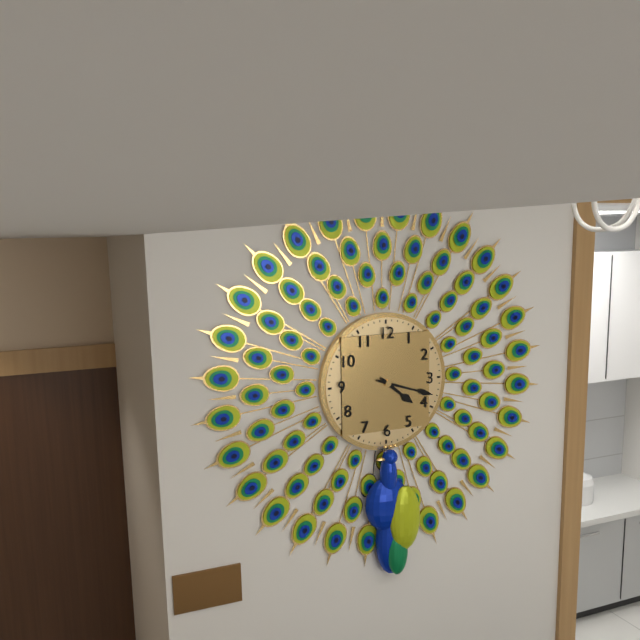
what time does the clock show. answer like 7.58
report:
4.18
